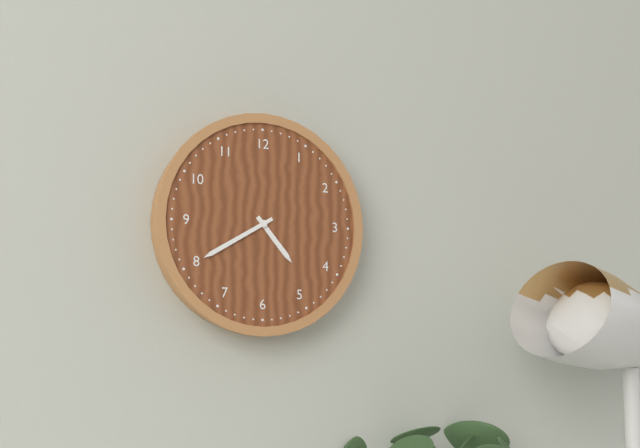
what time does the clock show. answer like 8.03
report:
4.40
